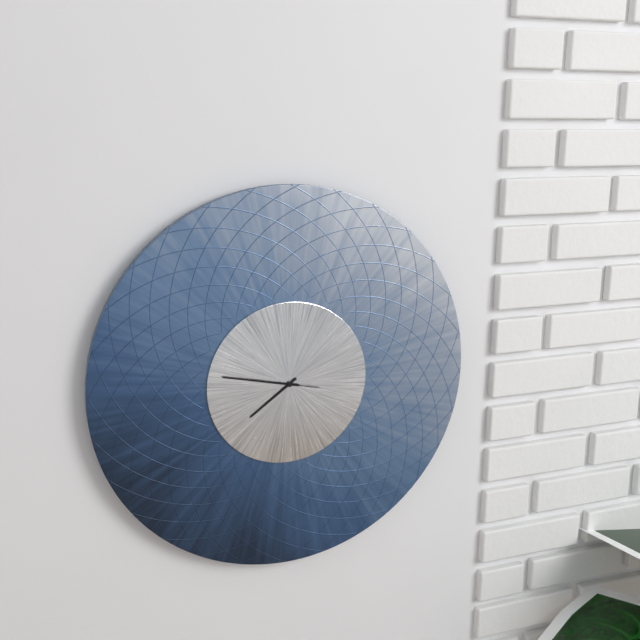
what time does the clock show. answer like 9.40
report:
7.47
